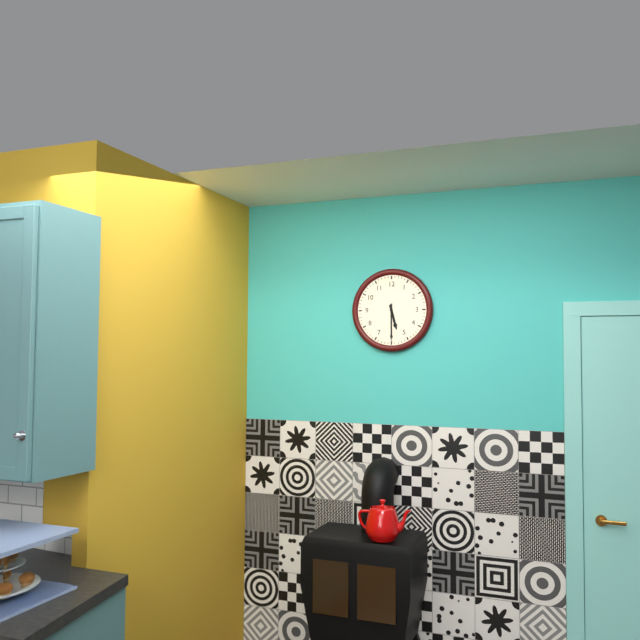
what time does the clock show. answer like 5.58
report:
5.30
